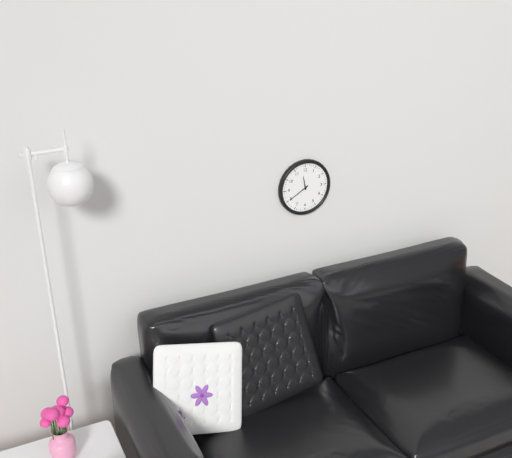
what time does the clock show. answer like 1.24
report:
11.40
